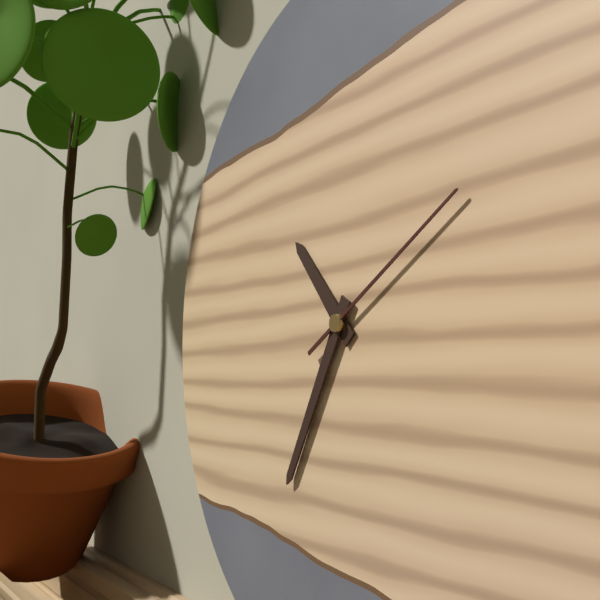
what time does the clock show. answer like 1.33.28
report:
10.35.10
